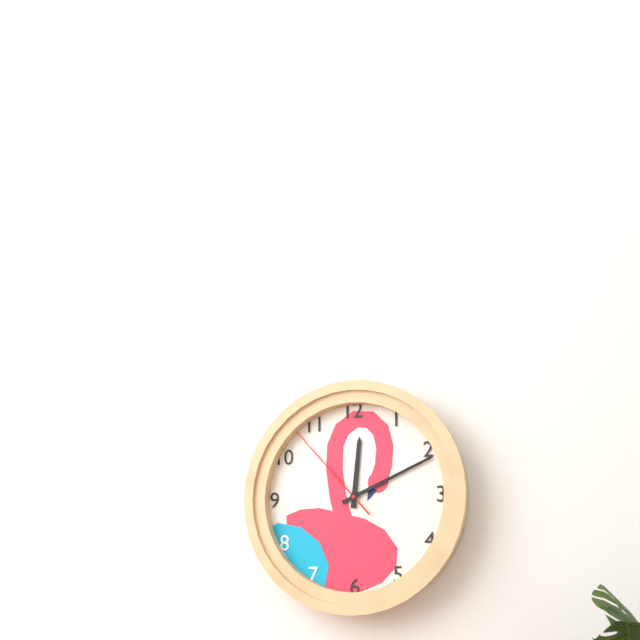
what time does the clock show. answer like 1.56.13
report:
12.11.53
